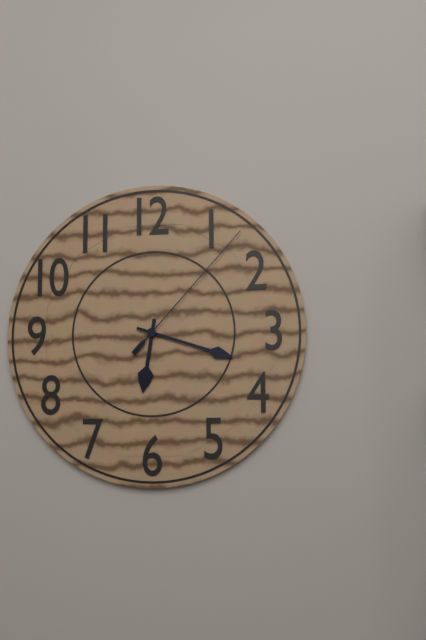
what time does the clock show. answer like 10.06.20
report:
6.18.07
